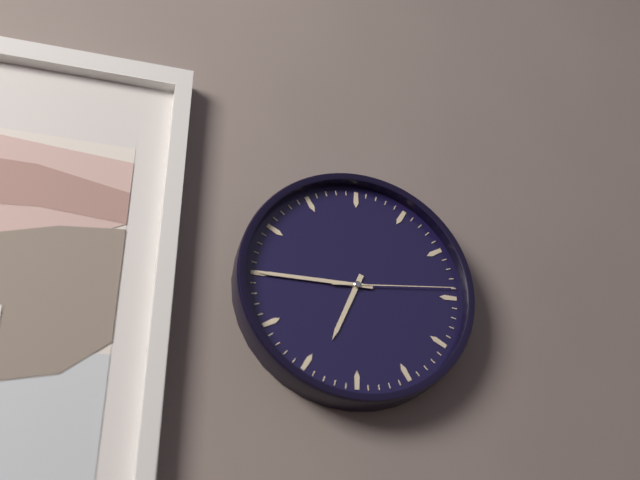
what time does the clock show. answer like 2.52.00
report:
6.45.14
